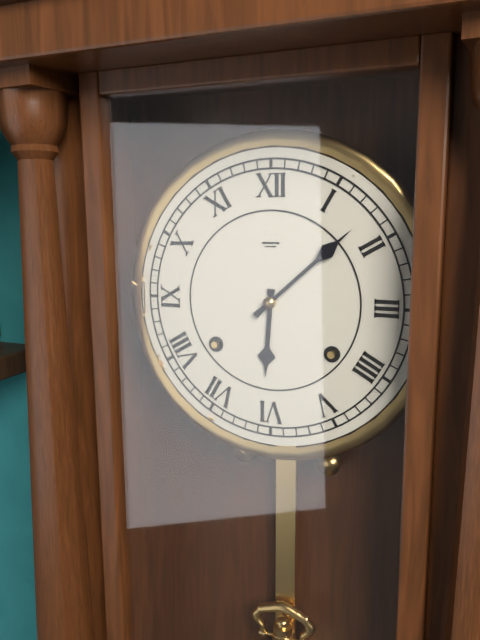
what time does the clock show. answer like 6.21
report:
6.08
